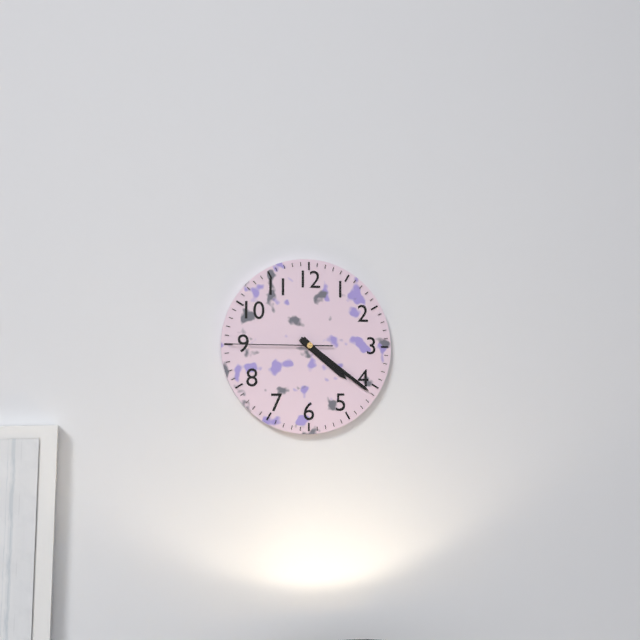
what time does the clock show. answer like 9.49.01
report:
4.21.45
